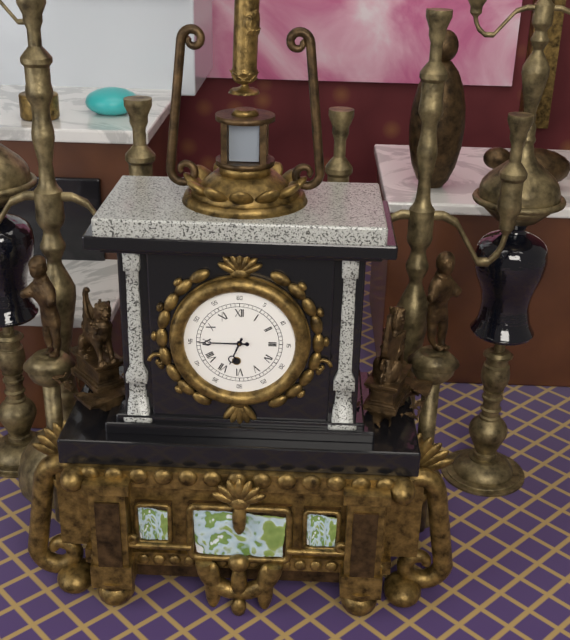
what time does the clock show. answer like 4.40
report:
6.45
